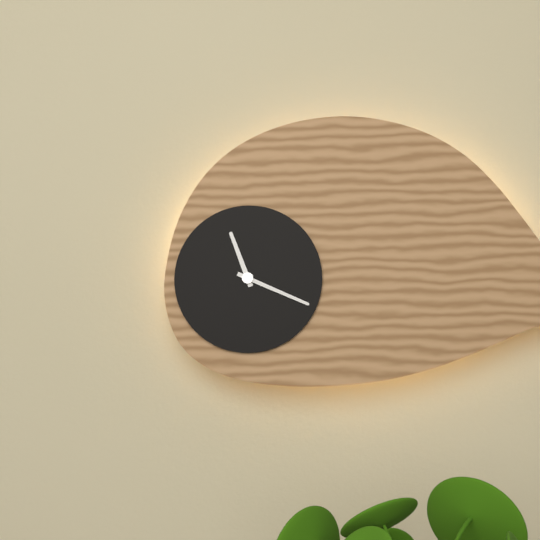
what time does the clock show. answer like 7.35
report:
11.19
